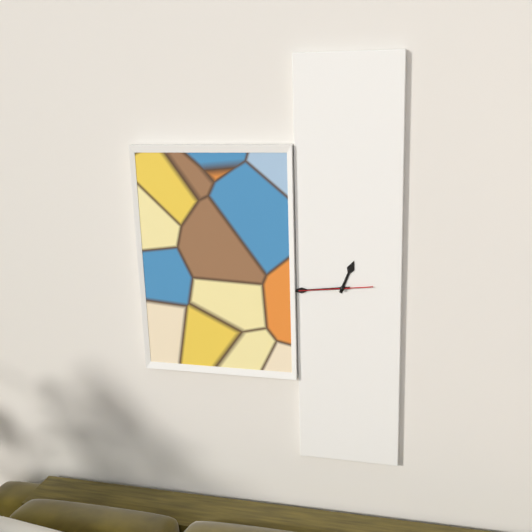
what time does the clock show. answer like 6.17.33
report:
12.44.44
